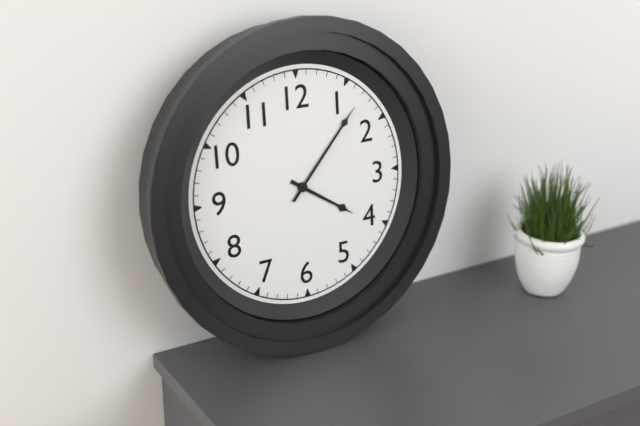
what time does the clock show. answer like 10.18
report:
4.07
